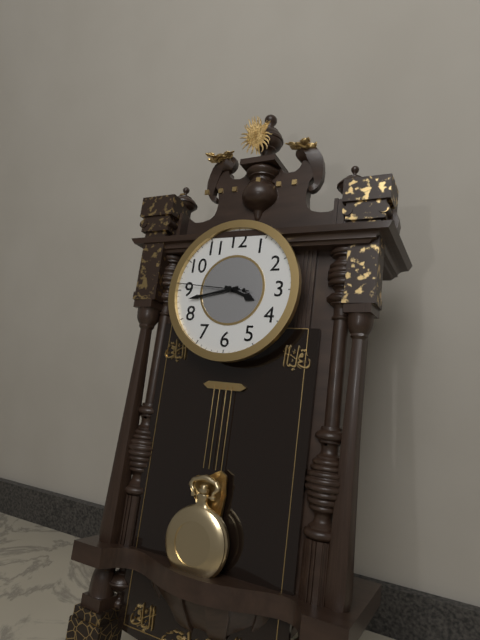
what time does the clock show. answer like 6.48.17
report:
3.43.46
